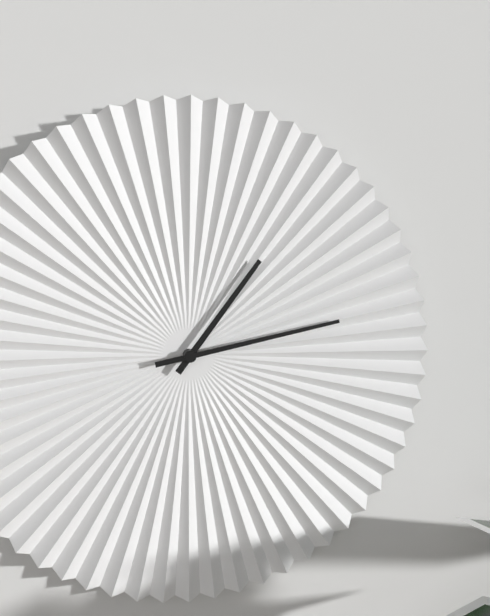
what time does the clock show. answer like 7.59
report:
1.13
